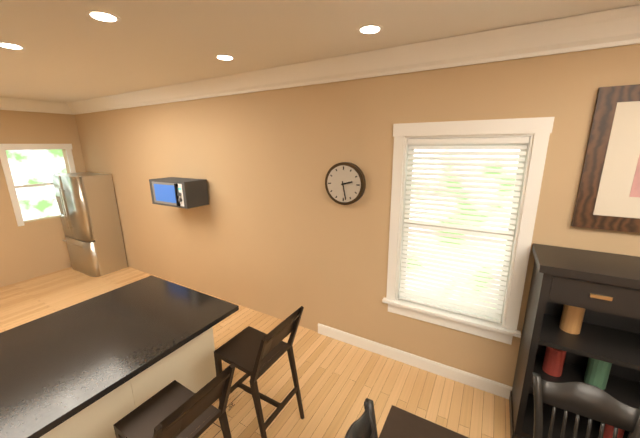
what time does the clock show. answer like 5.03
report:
2.28
